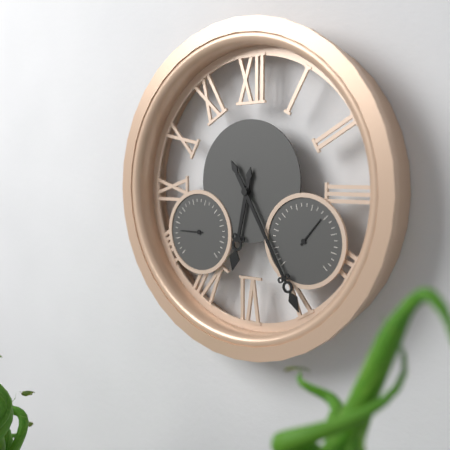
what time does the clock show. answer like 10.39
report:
6.25
